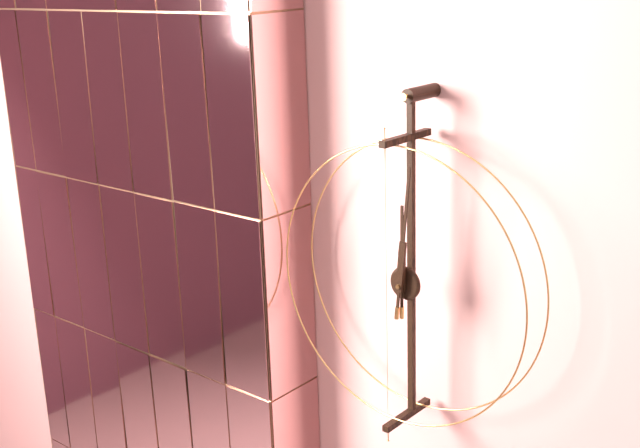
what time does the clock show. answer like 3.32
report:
12.01
